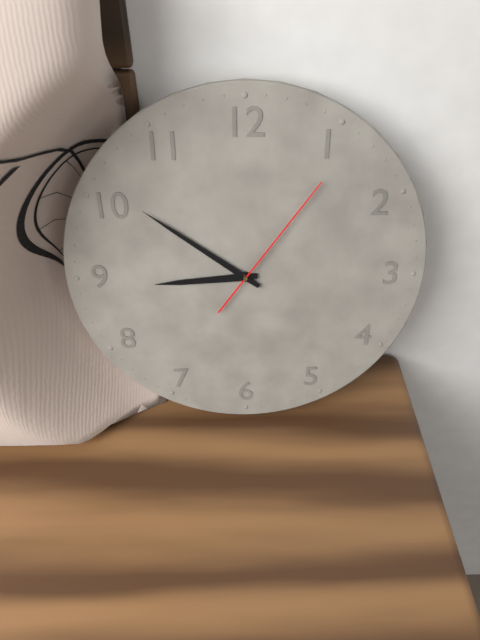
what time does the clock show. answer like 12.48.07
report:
8.51.06
